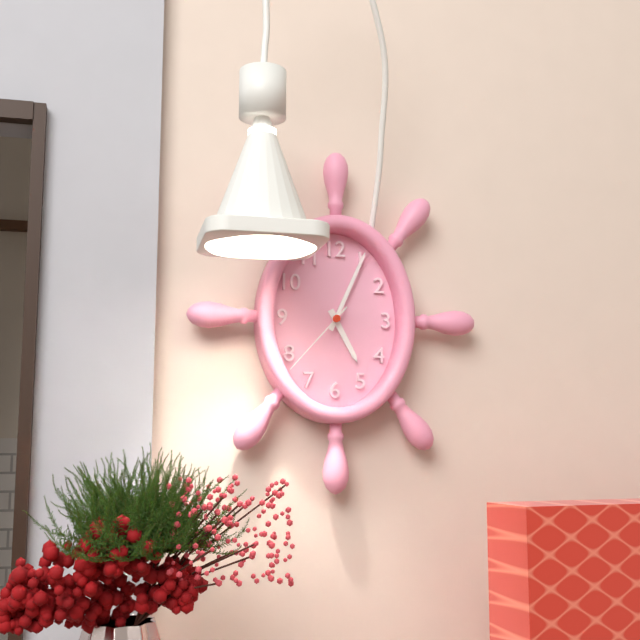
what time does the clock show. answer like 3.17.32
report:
5.04.37
